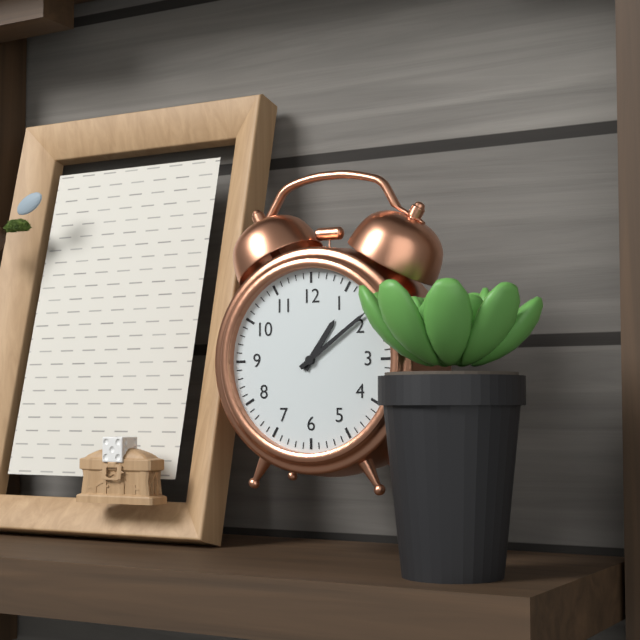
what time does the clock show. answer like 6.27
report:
1.09
